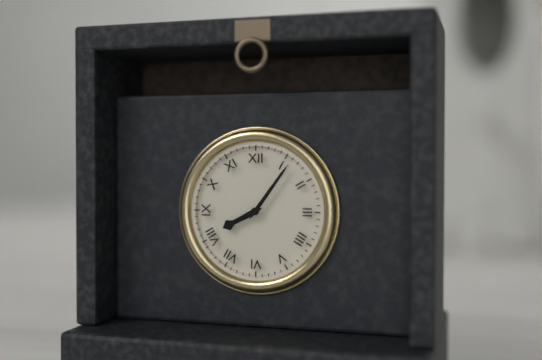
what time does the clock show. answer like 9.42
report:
8.06
